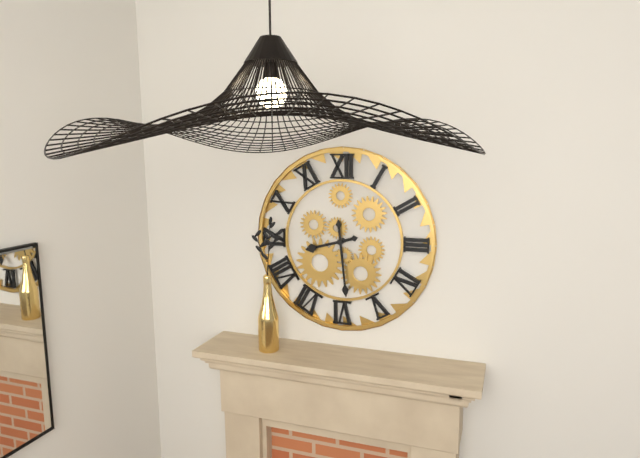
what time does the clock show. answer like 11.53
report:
8.29
